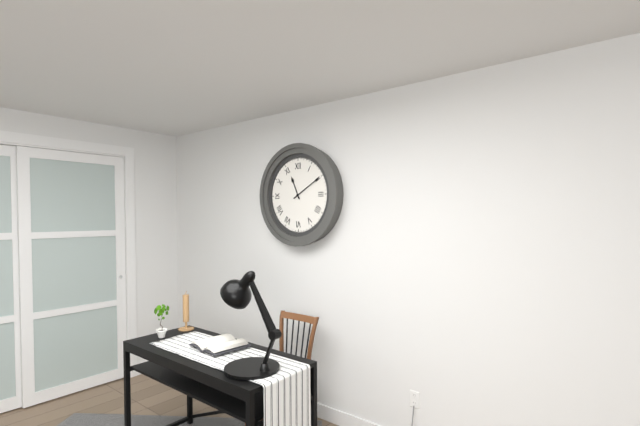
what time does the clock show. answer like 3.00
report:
11.10
